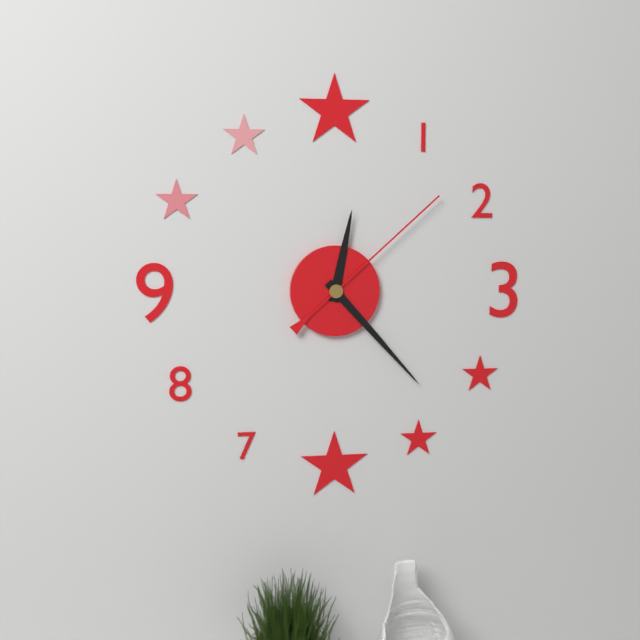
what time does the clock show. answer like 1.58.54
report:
12.23.08
